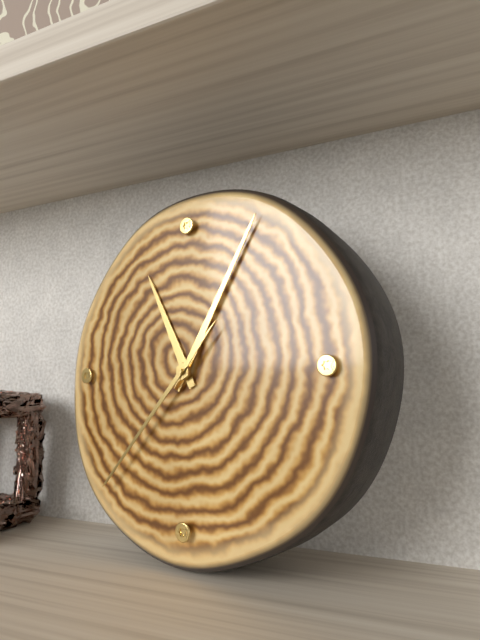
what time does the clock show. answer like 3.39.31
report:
11.05.37
